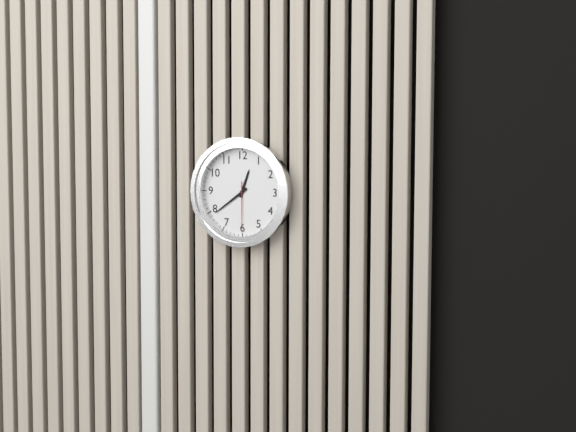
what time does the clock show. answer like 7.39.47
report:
12.39.30
